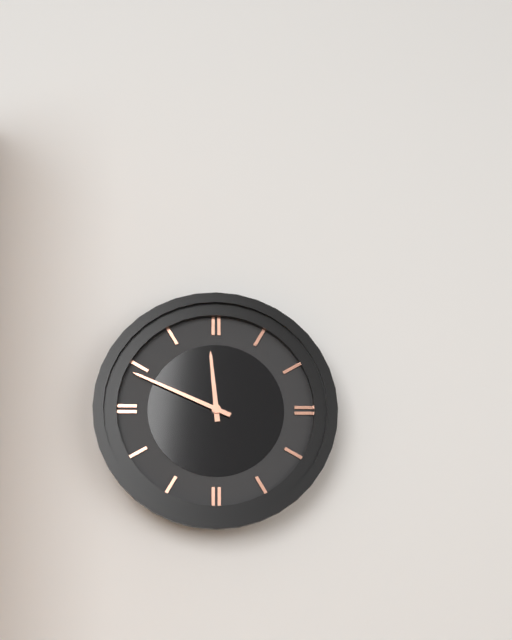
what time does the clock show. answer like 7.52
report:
11.49
